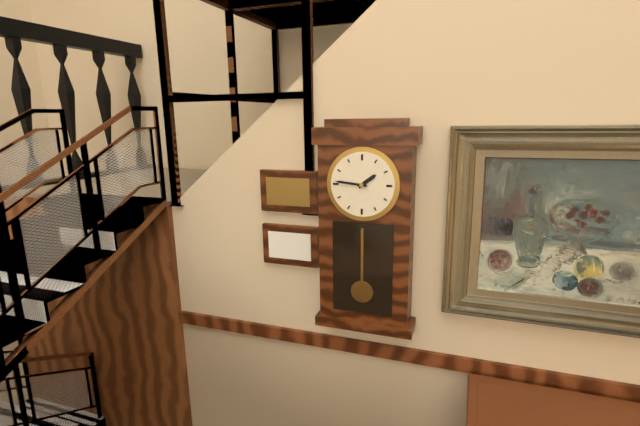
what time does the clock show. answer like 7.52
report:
1.46
